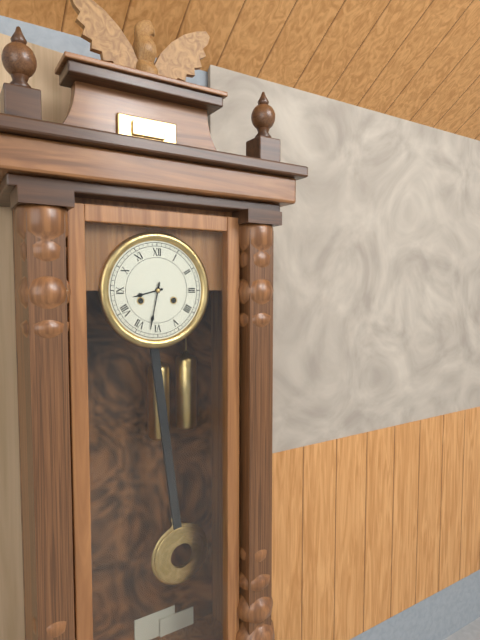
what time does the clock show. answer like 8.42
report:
8.32
